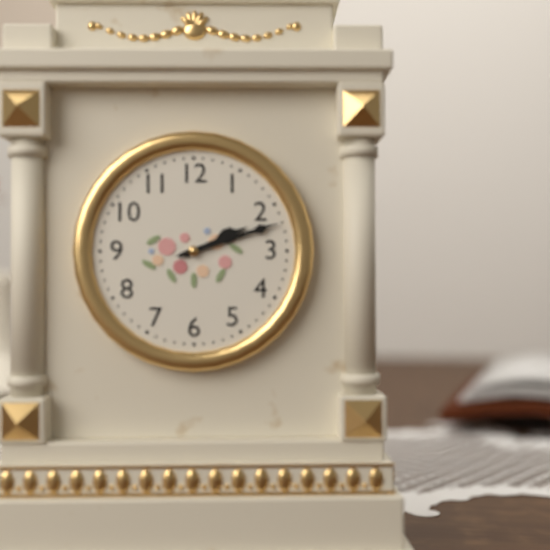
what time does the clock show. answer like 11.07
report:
2.12
